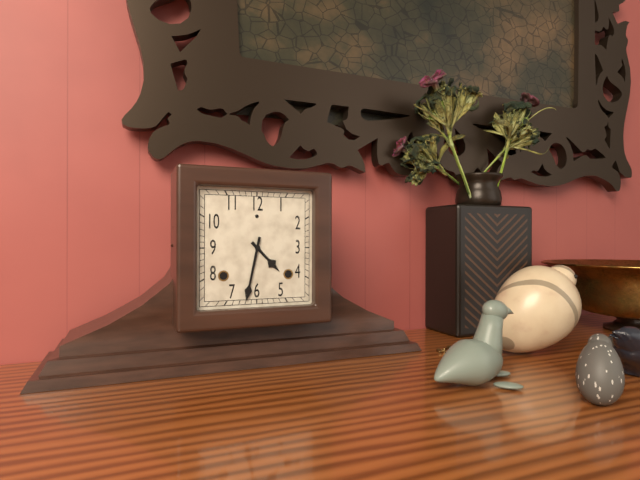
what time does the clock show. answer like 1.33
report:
4.32
